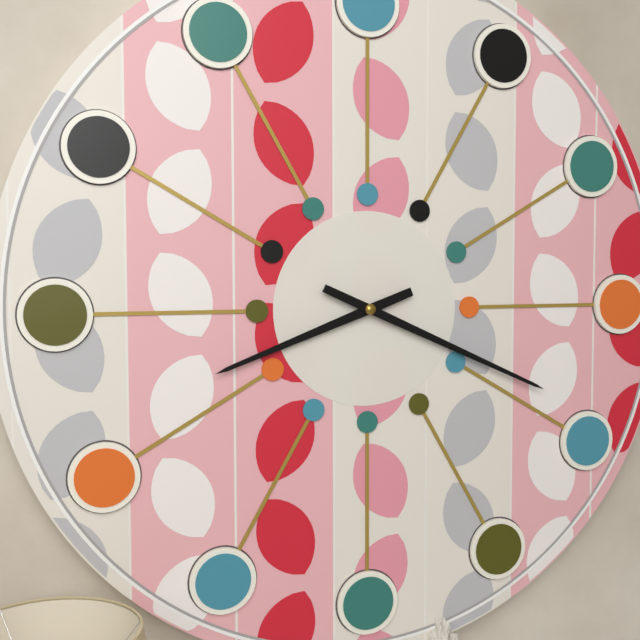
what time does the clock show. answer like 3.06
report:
8.19
